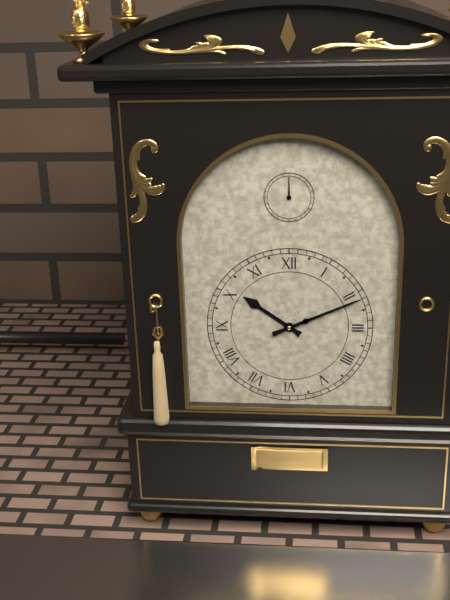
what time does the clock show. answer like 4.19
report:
10.11
